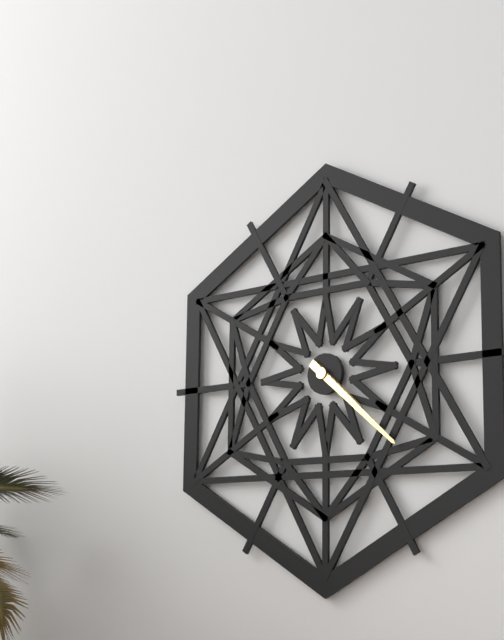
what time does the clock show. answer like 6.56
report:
4.22
